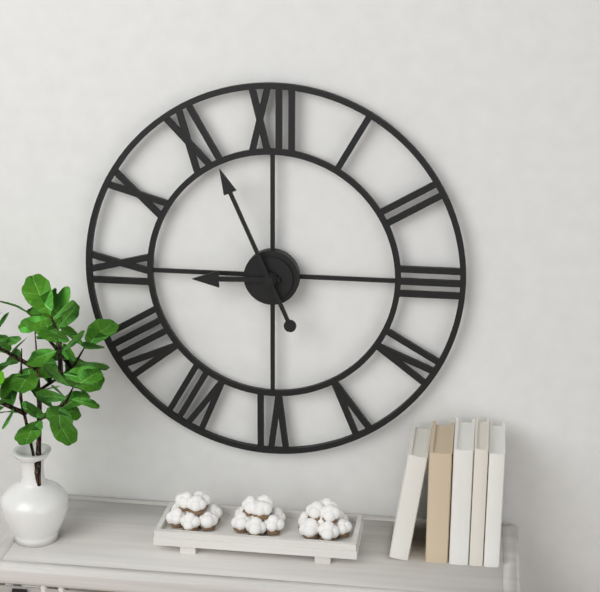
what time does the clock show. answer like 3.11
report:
8.56
